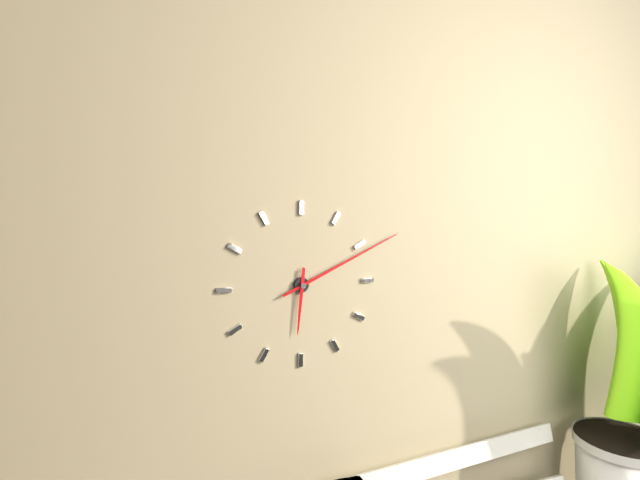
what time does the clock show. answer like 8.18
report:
6.11
